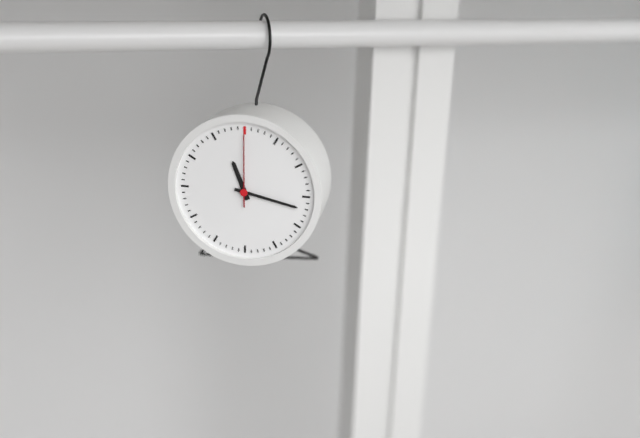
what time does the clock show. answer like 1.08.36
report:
11.17.00
